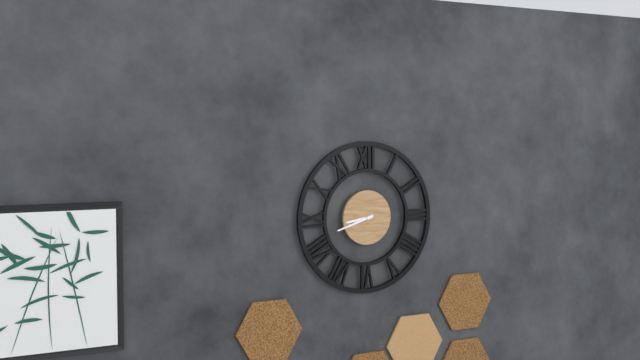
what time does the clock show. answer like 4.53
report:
8.42
